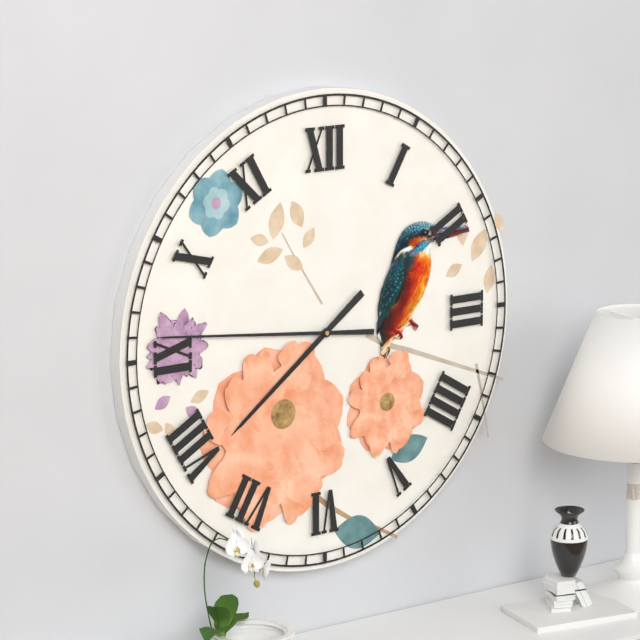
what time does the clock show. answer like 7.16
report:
7.46
